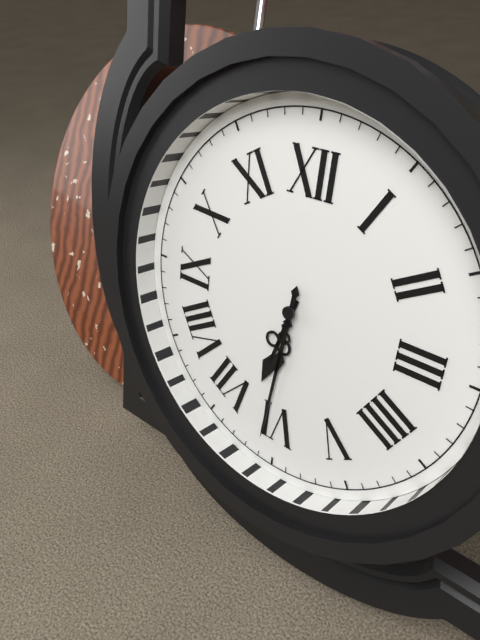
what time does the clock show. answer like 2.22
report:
6.31
